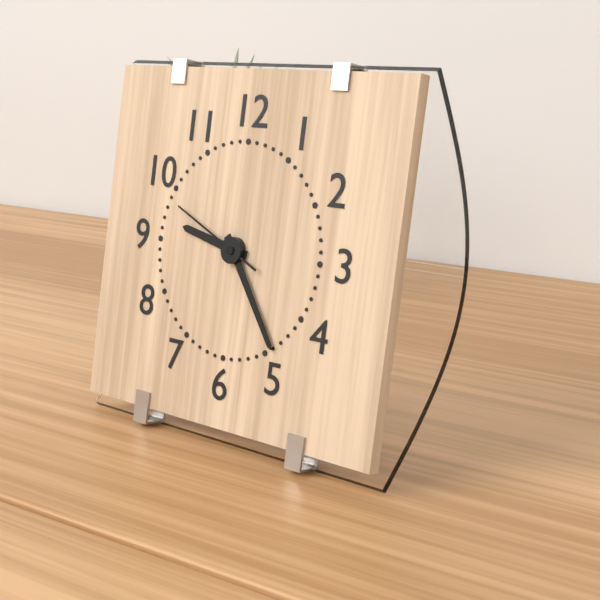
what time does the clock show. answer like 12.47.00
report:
9.24.49
